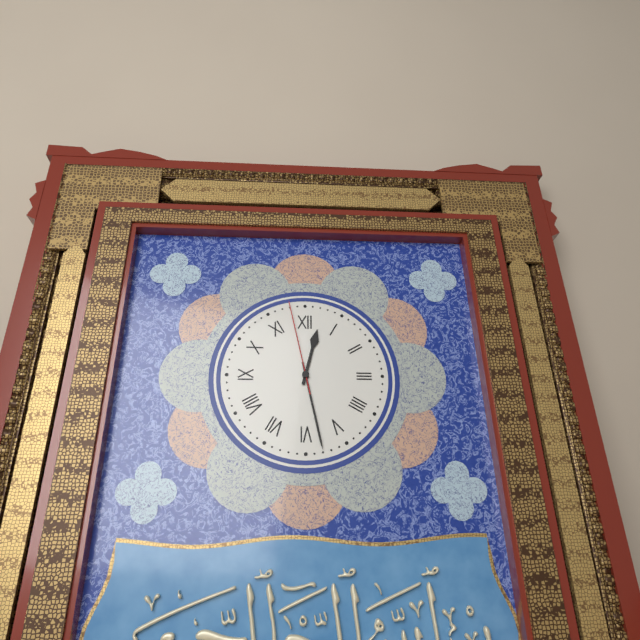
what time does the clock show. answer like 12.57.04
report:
12.28.58
